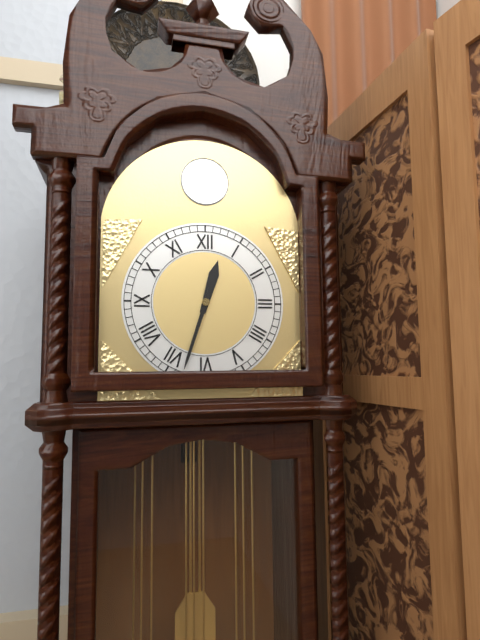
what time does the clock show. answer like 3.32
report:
12.33
